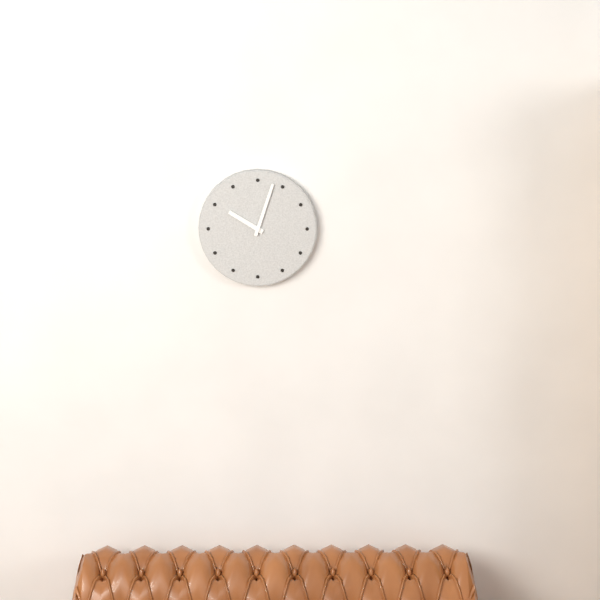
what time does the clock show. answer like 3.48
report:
10.03
